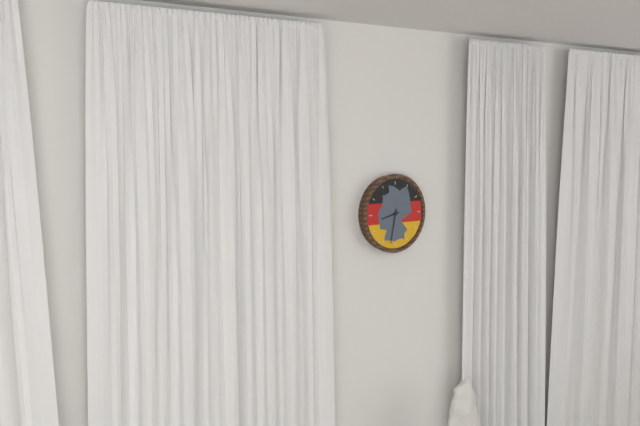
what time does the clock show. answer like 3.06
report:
8.32
